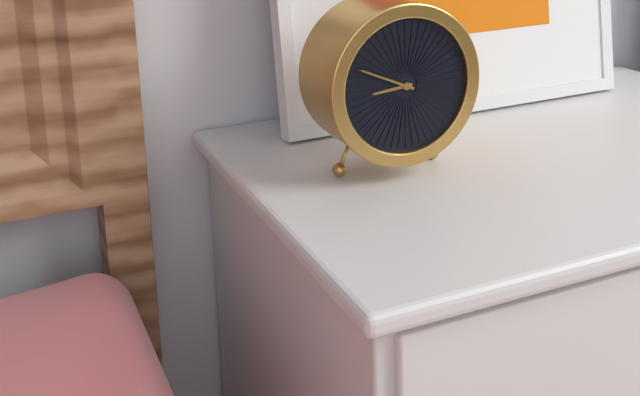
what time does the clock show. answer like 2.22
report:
8.49
